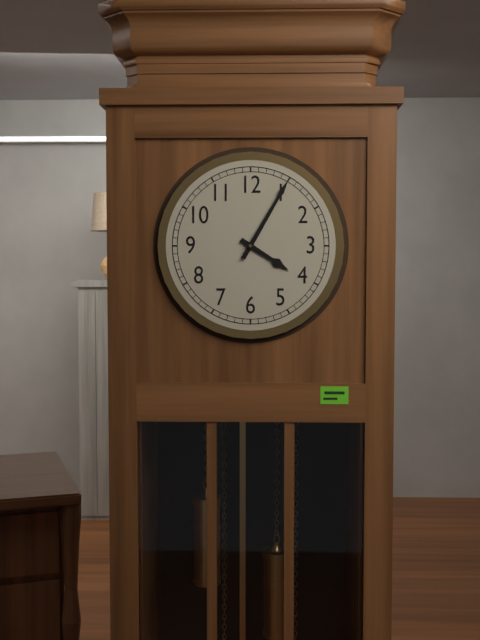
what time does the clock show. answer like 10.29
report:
4.05
